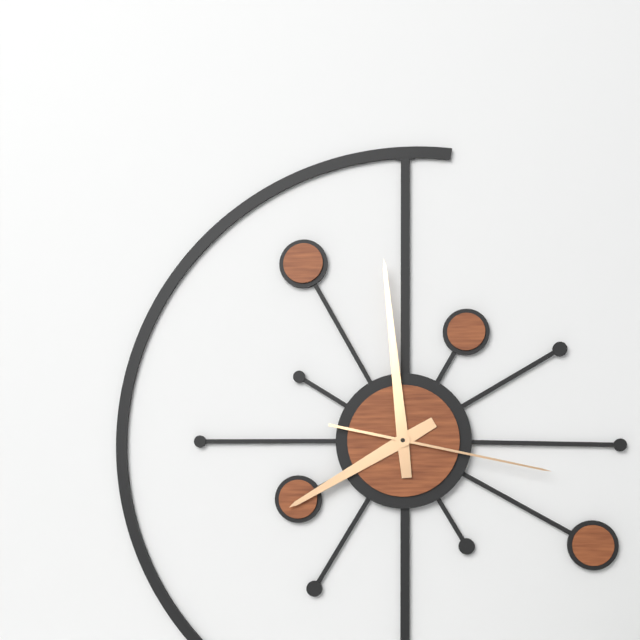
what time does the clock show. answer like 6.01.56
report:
7.59.17
